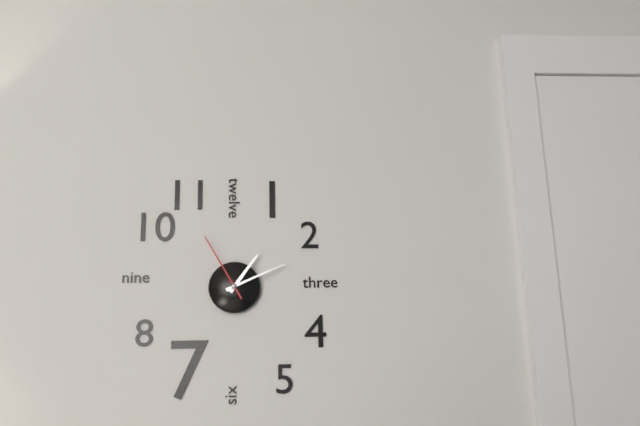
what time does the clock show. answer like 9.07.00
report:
1.11.55
